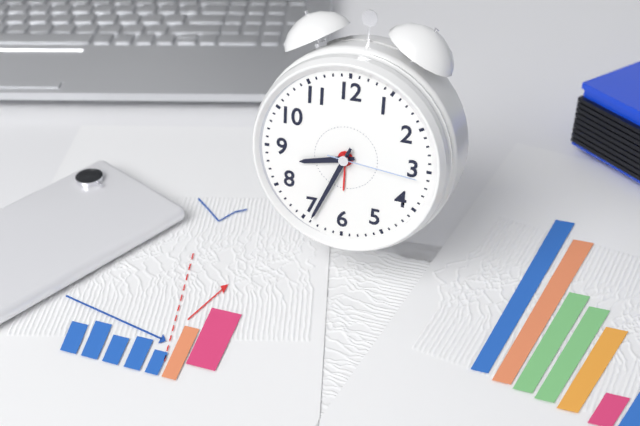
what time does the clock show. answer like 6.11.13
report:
8.34.16
